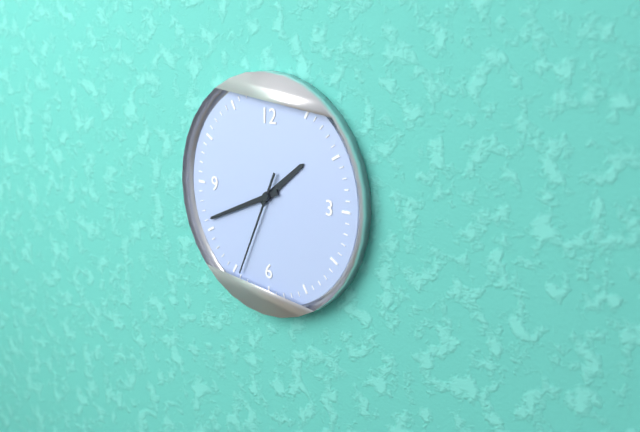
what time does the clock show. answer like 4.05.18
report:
1.41.34
